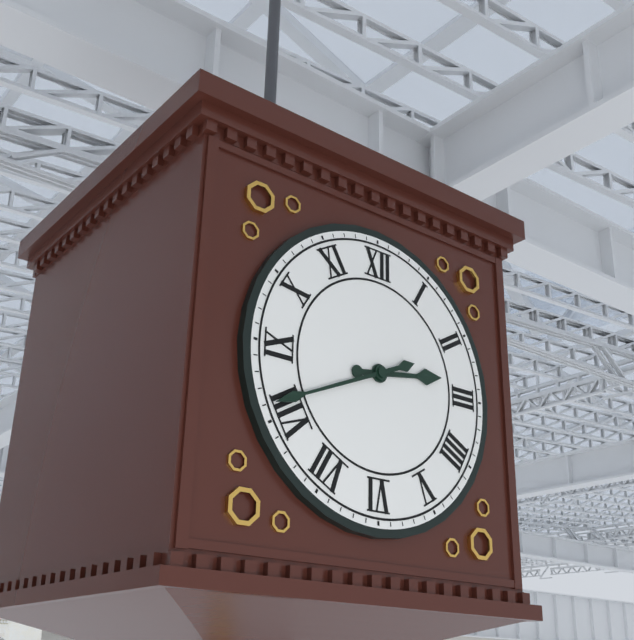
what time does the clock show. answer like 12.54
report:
2.41
